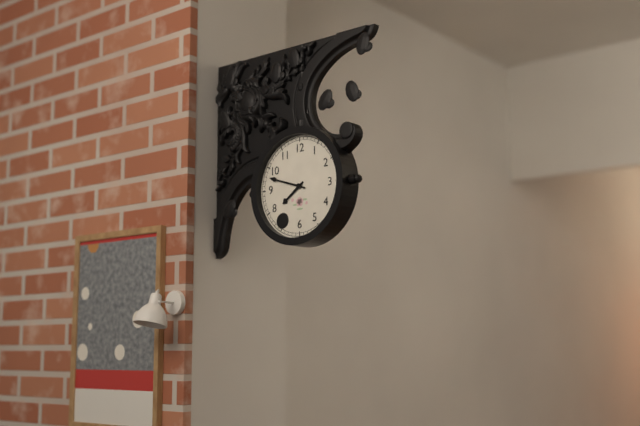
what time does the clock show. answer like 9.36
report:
7.48
